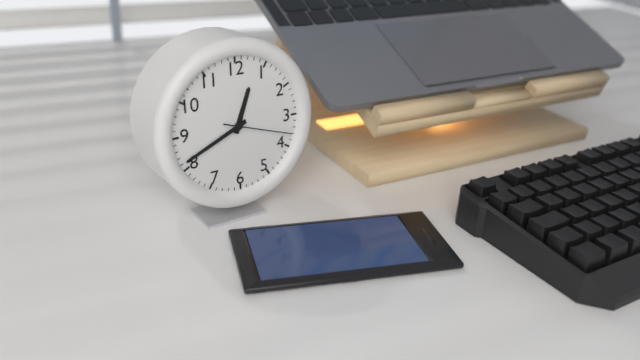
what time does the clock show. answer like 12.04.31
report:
12.41.18
